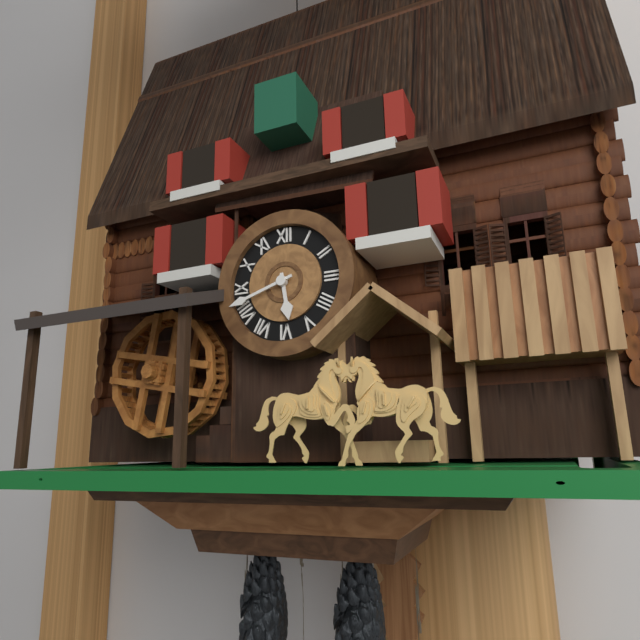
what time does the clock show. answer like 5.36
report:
5.42
